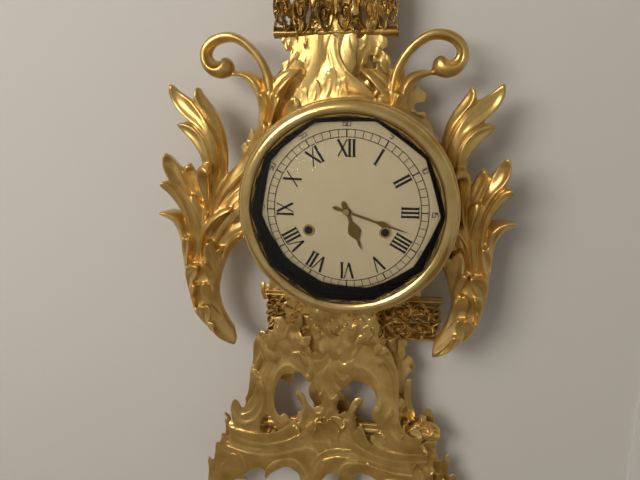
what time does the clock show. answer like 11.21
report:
5.18
